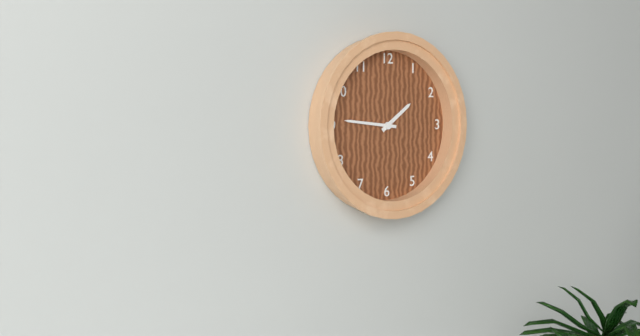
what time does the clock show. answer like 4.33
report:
1.46
